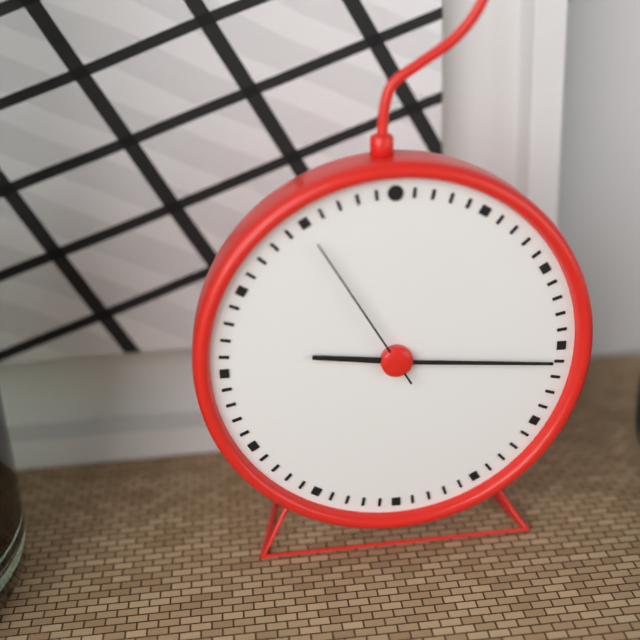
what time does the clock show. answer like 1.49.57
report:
9.16.55
